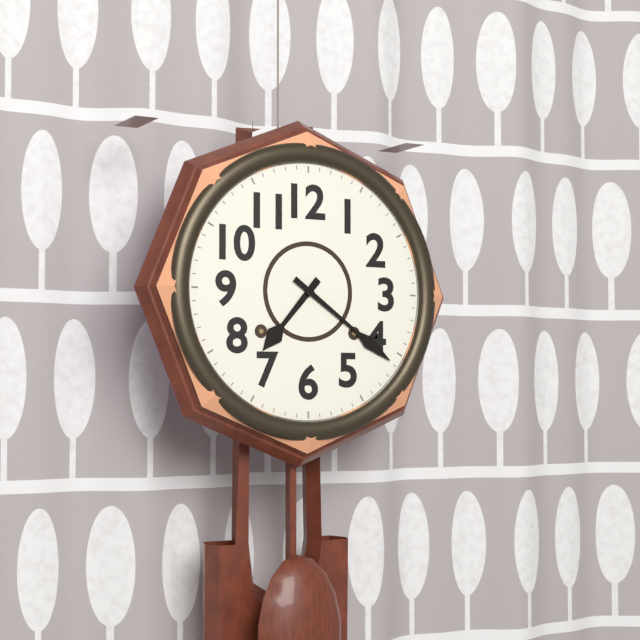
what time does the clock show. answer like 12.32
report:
7.21
